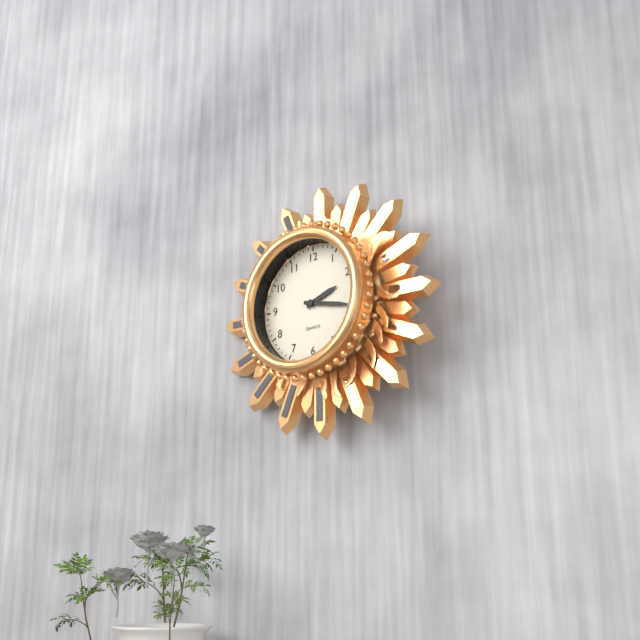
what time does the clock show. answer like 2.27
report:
2.17
